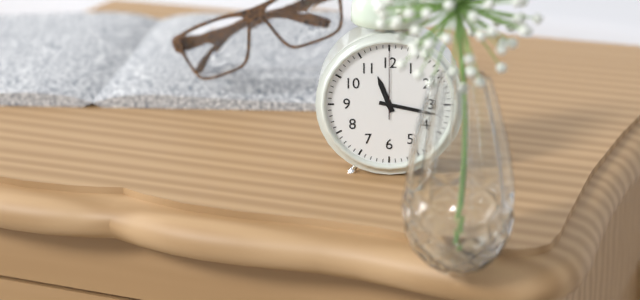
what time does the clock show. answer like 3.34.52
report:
11.17.00
